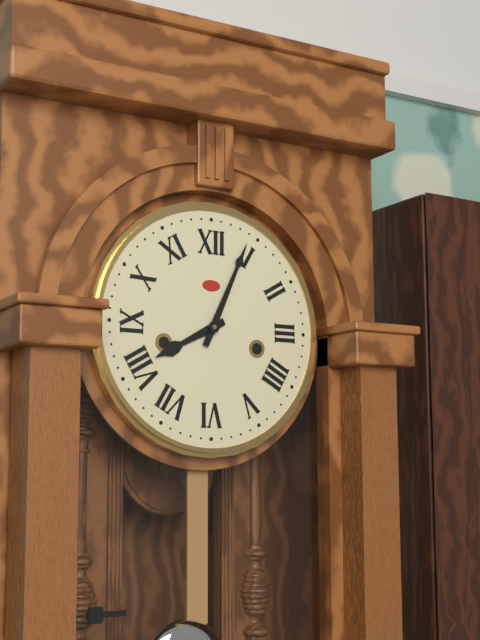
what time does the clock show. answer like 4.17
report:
8.04
